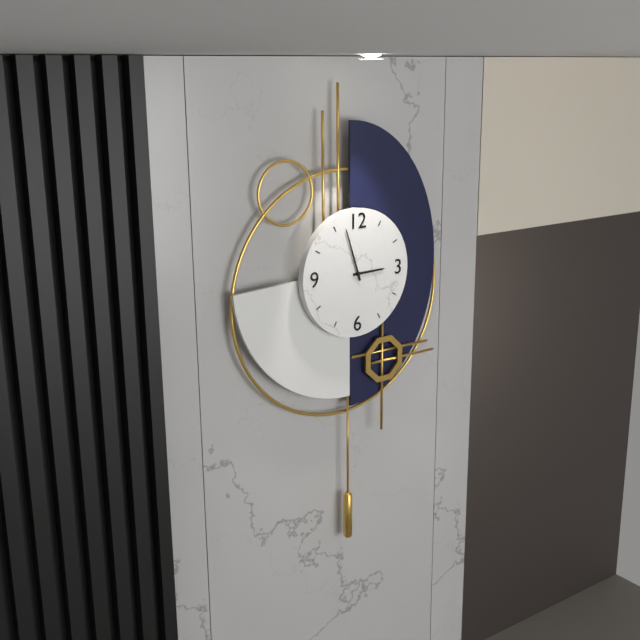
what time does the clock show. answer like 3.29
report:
2.57
